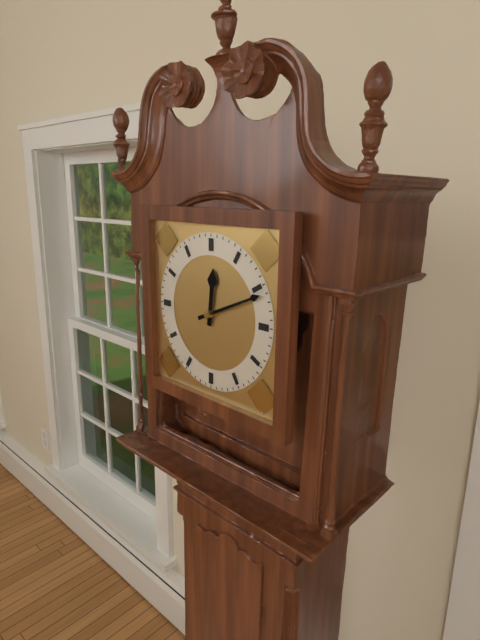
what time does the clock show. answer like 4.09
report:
12.11
